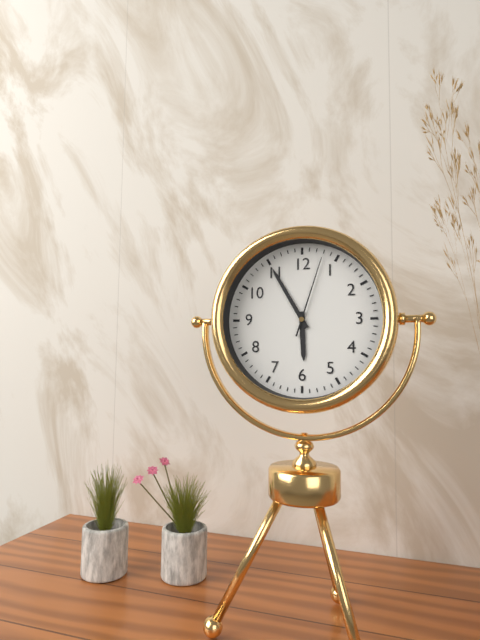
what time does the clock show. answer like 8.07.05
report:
5.55.03
